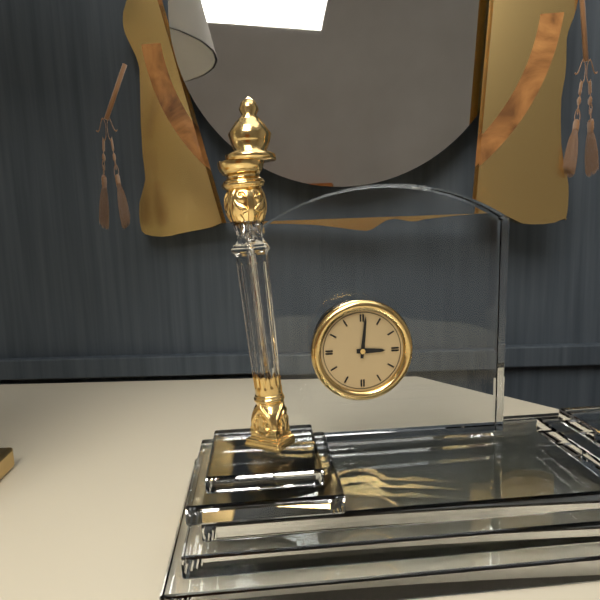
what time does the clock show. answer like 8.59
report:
3.01
